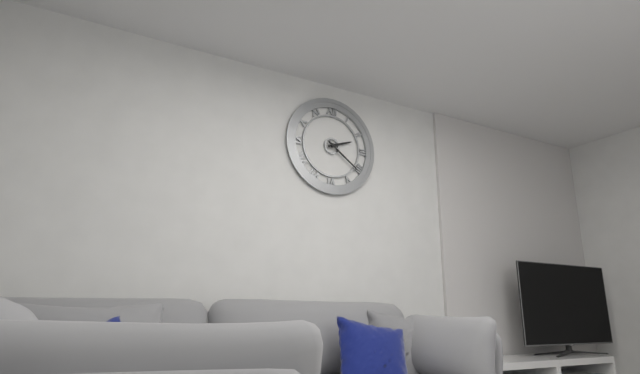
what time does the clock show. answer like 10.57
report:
2.21
